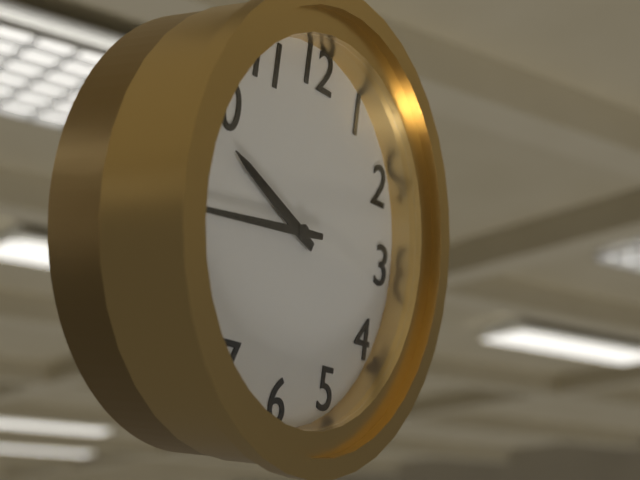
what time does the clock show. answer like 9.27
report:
9.44
